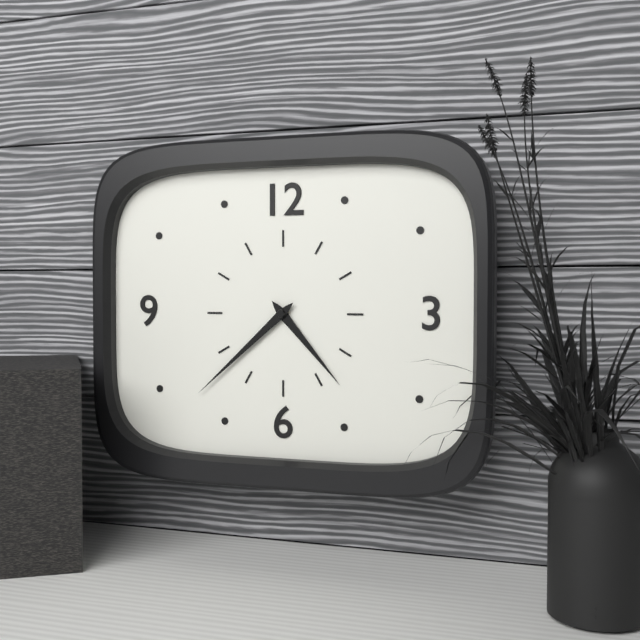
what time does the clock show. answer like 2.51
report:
4.38
